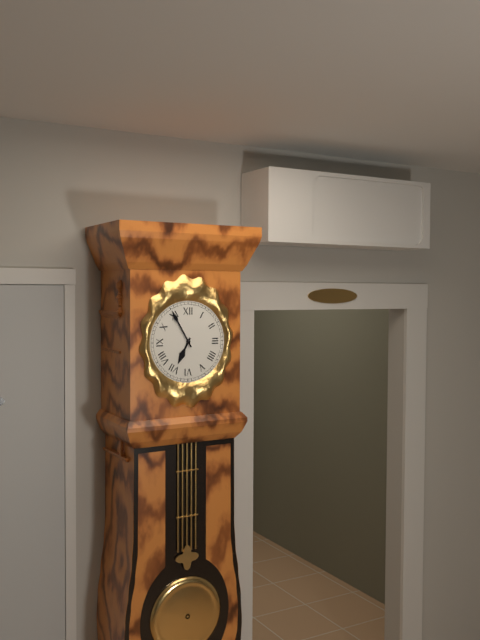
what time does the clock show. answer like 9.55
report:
6.55
